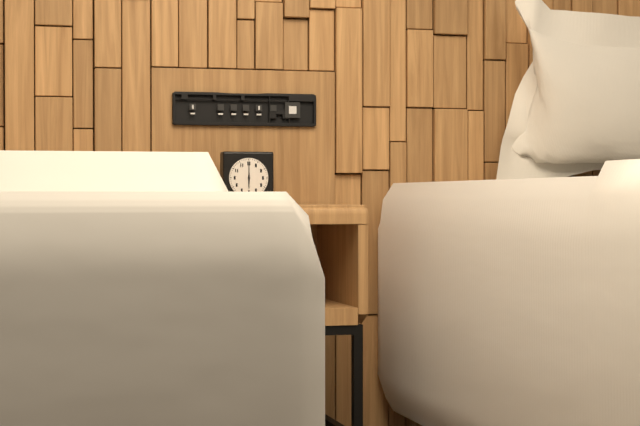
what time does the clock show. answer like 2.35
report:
6.00
